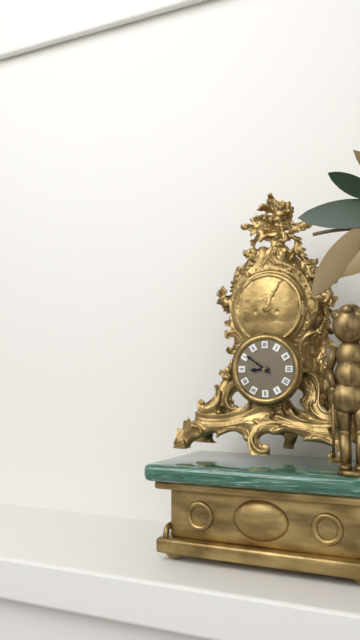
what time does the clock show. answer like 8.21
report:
8.51
